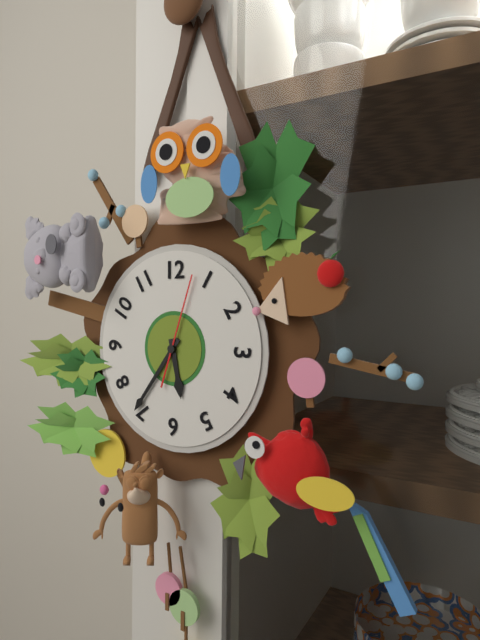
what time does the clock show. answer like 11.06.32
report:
5.36.03
